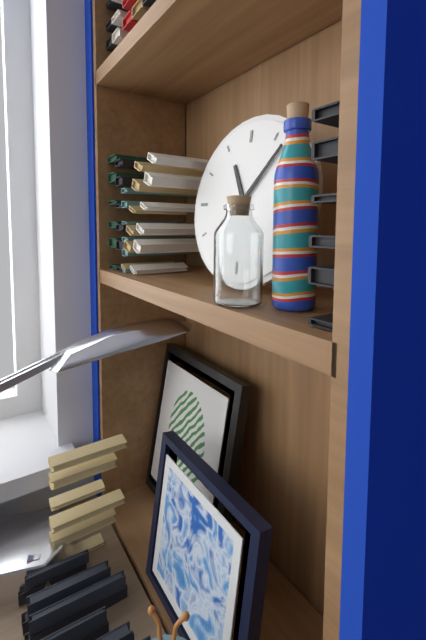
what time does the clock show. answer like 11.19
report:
11.07
